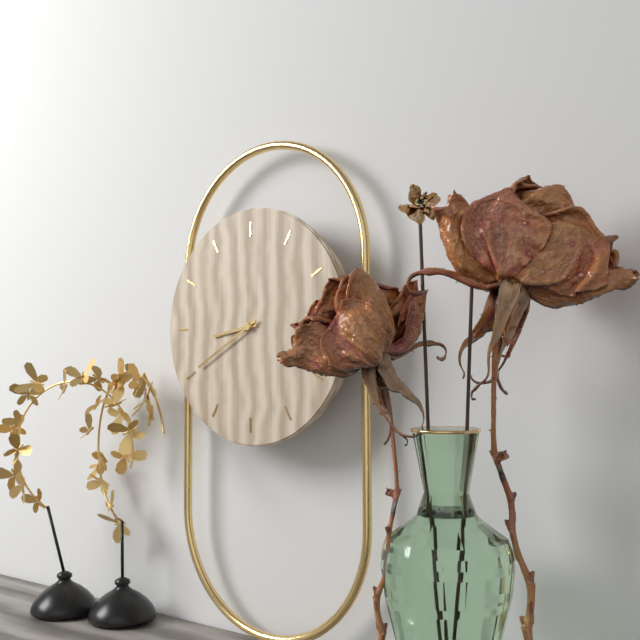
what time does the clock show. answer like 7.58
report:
8.40
